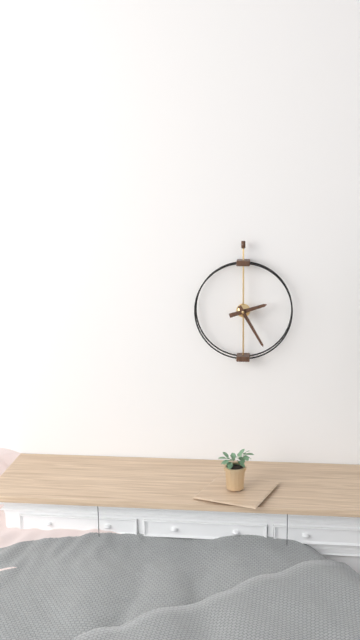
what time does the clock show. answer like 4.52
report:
2.25
